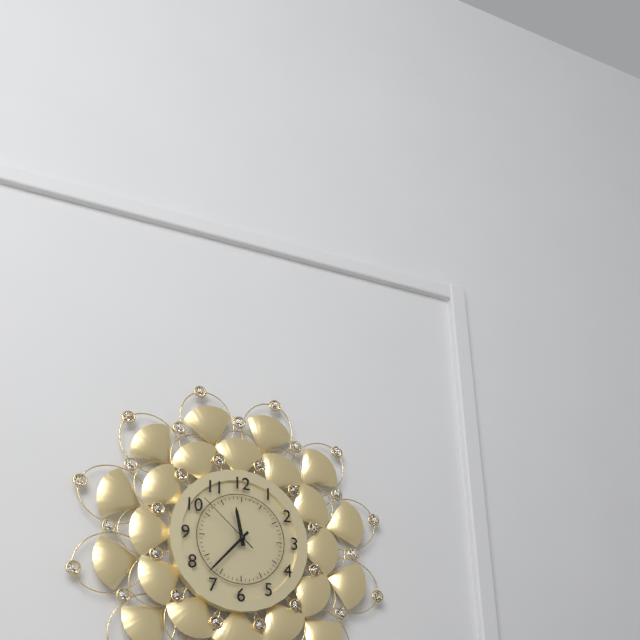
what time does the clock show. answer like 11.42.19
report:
11.37.52
